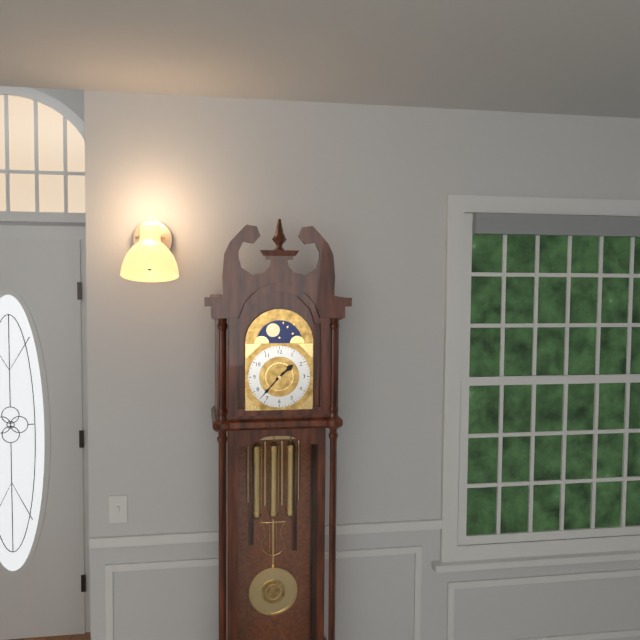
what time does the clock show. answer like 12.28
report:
1.37
